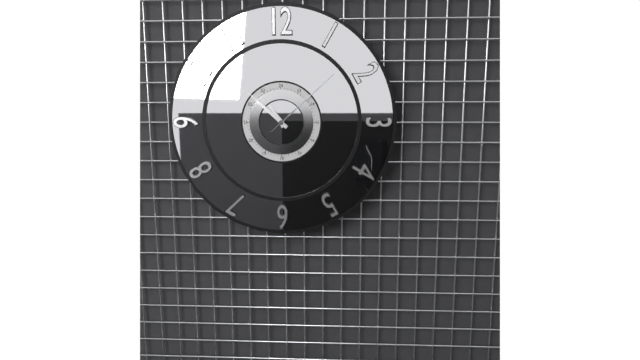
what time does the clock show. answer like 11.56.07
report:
10.52.08
